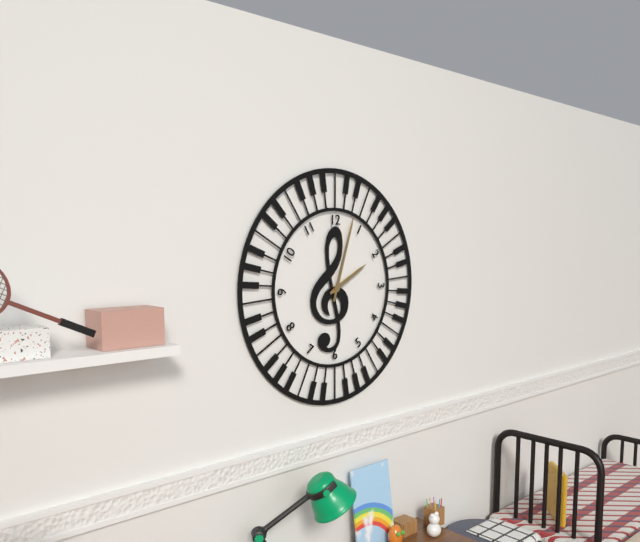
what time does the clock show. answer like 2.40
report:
2.03
